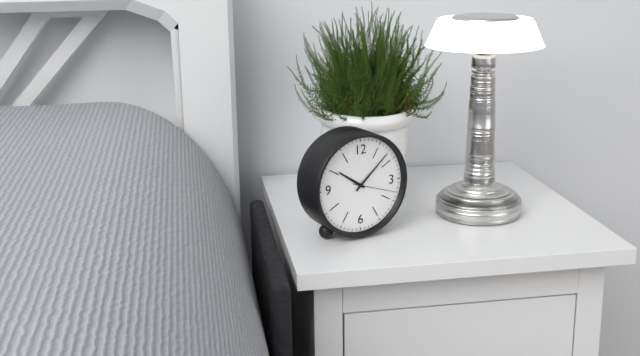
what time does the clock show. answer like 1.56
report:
10.08
